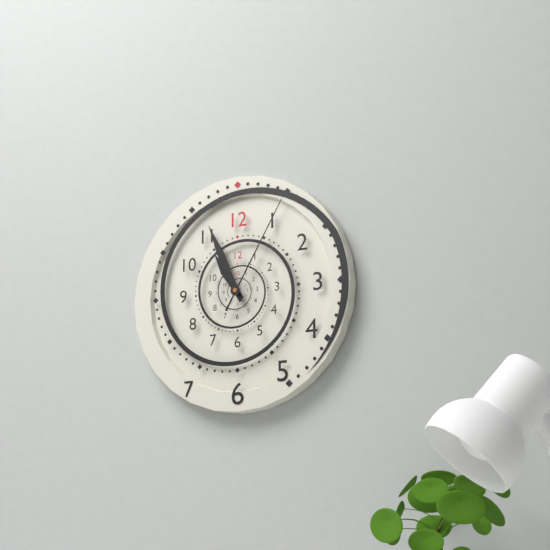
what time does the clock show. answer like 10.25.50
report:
10.56.05
